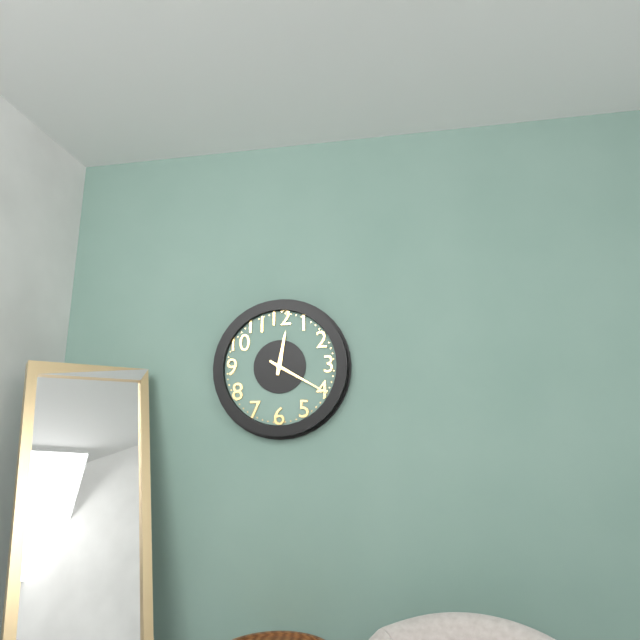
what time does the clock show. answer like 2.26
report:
12.20
